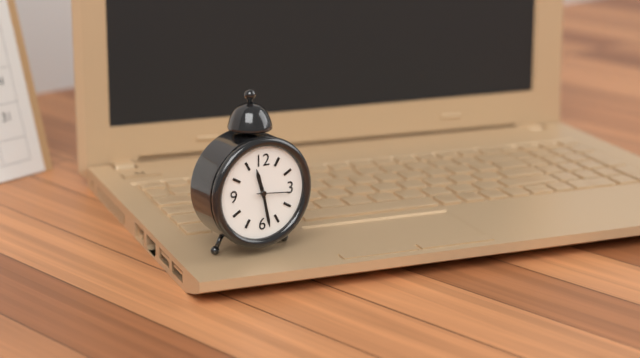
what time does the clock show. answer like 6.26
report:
11.28
